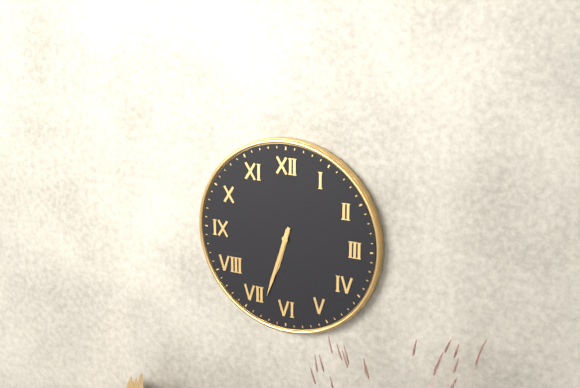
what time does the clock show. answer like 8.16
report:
6.33
